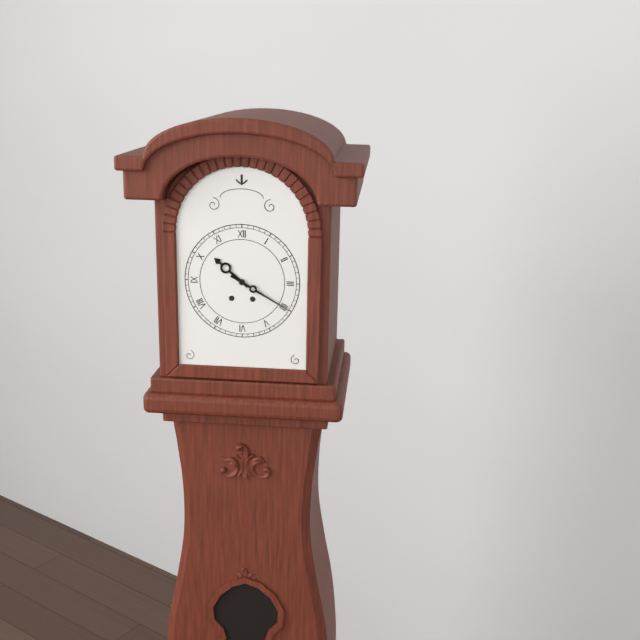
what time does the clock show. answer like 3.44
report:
10.20
